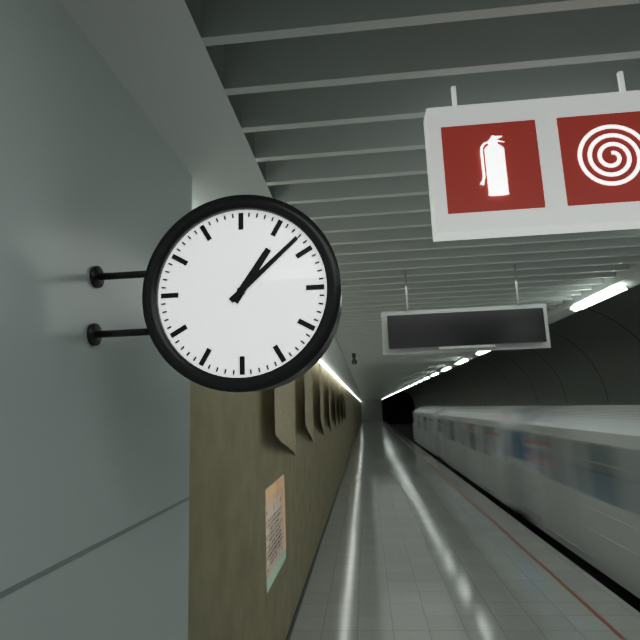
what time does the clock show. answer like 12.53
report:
1.08
